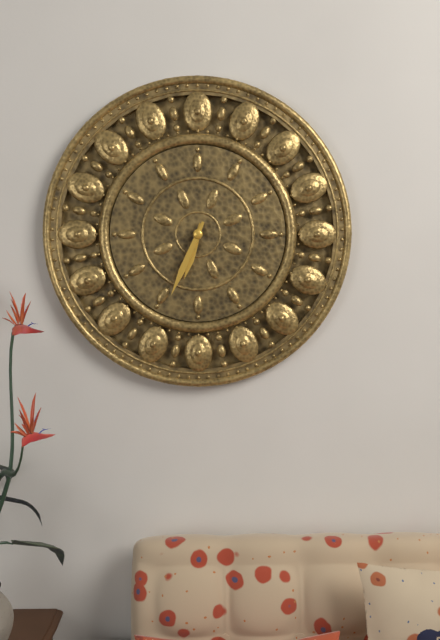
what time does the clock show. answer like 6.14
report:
6.34
